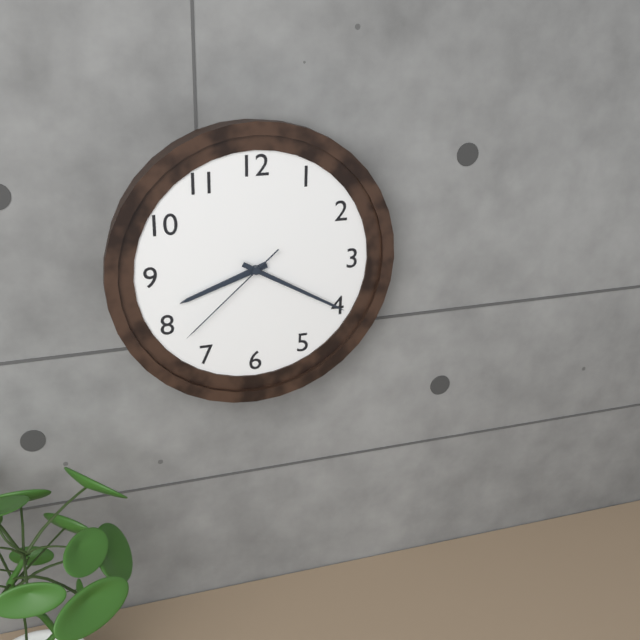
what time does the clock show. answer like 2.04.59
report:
8.20.38
